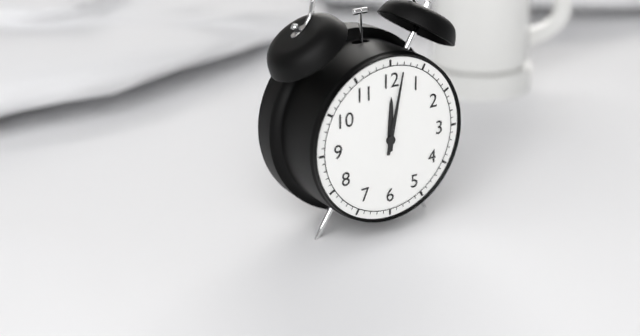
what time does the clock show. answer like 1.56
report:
12.02
